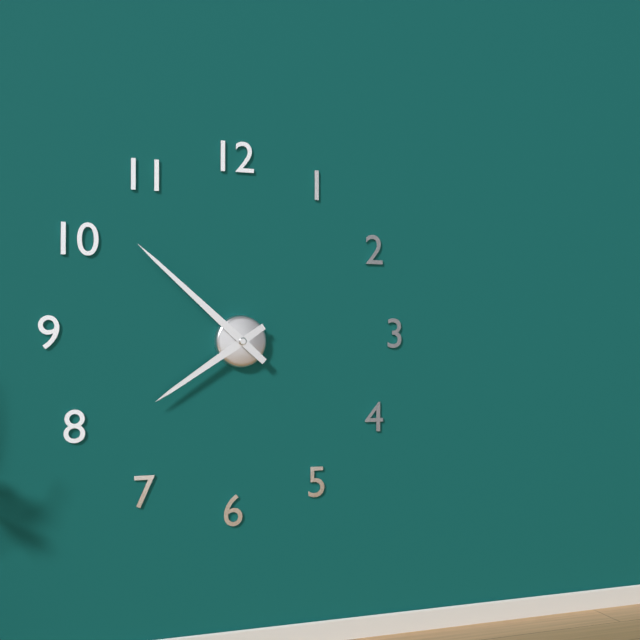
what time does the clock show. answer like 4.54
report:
7.52
